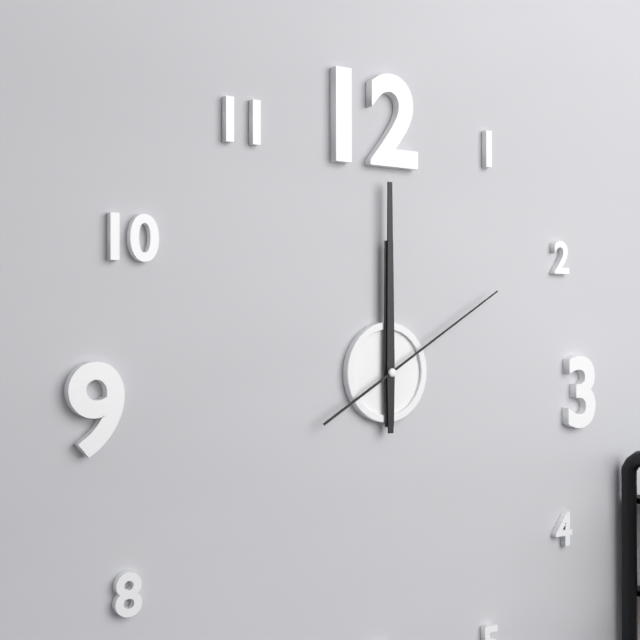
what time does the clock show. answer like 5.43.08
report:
12.00.10
